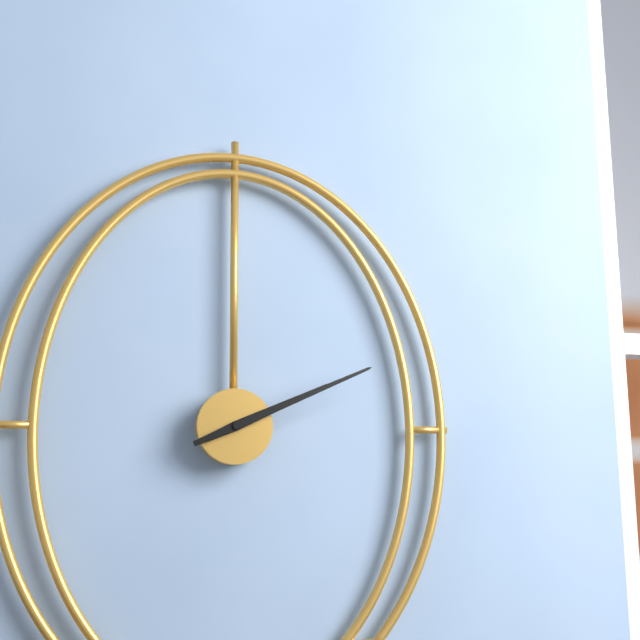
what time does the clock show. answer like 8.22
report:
2.11
